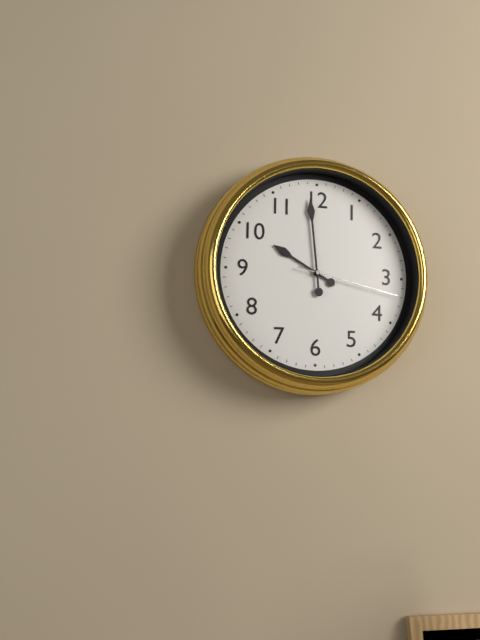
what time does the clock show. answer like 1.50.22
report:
9.59.17
